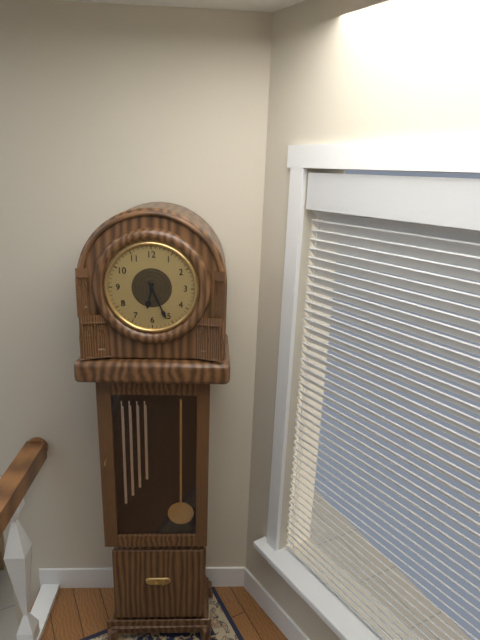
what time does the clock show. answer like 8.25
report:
6.26
